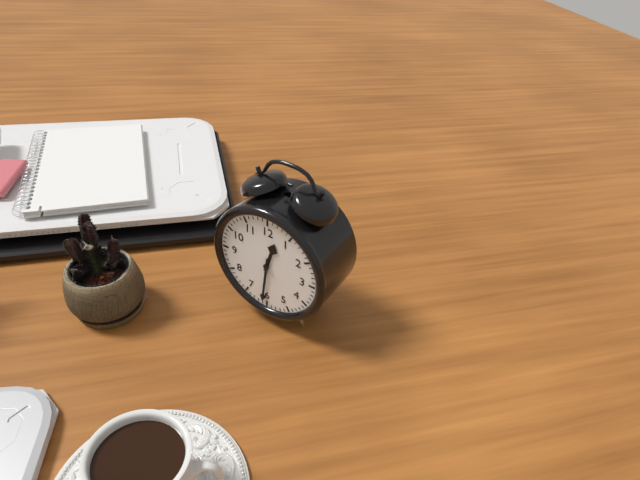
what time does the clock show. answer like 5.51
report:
12.31
